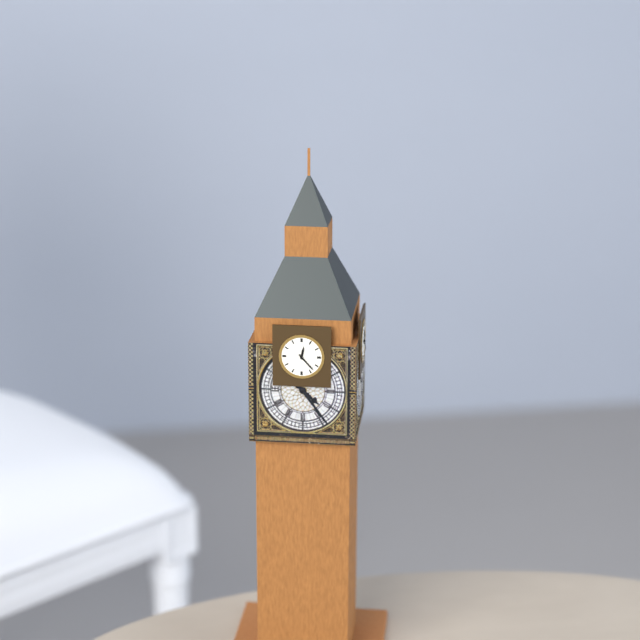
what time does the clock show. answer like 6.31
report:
12.23
